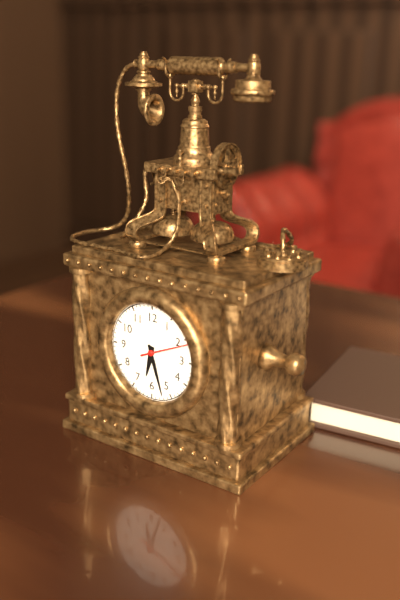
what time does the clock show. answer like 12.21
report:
6.27
